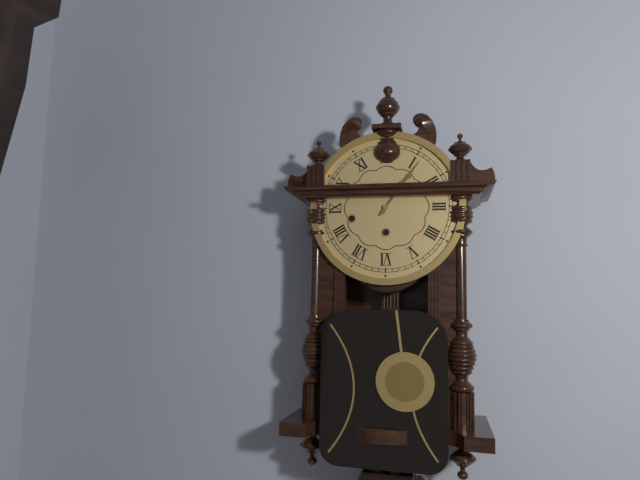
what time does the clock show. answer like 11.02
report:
1.06
